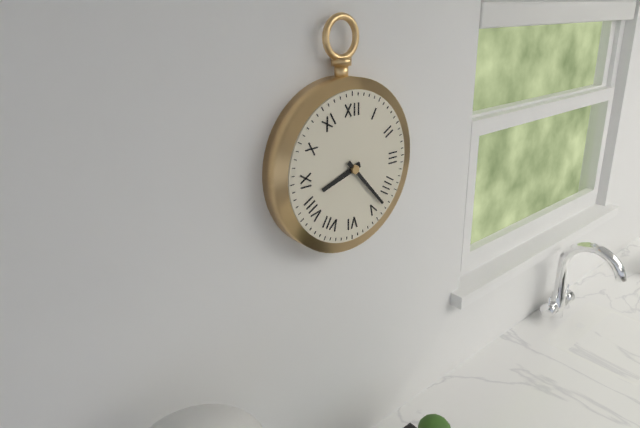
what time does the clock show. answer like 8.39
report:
8.23
